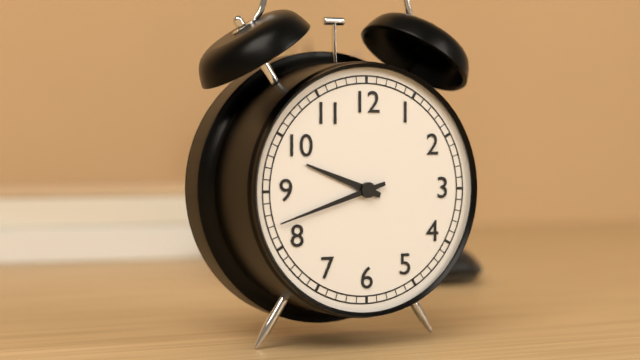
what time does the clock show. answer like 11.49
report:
9.42
